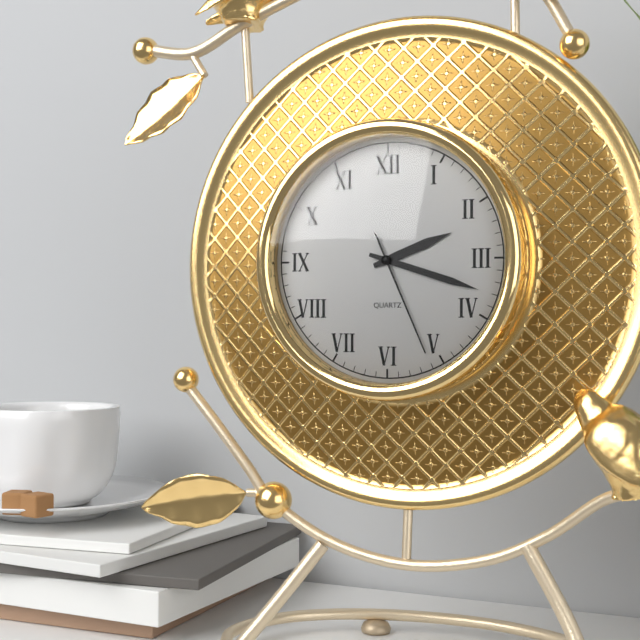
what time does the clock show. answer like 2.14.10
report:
2.18.26
